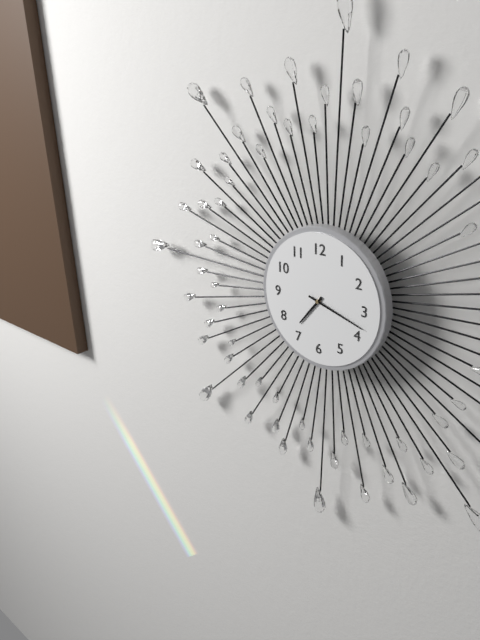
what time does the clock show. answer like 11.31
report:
7.18
